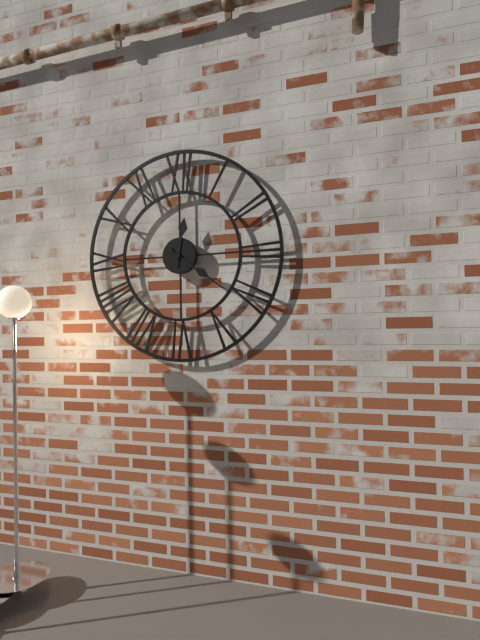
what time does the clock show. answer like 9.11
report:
12.21
